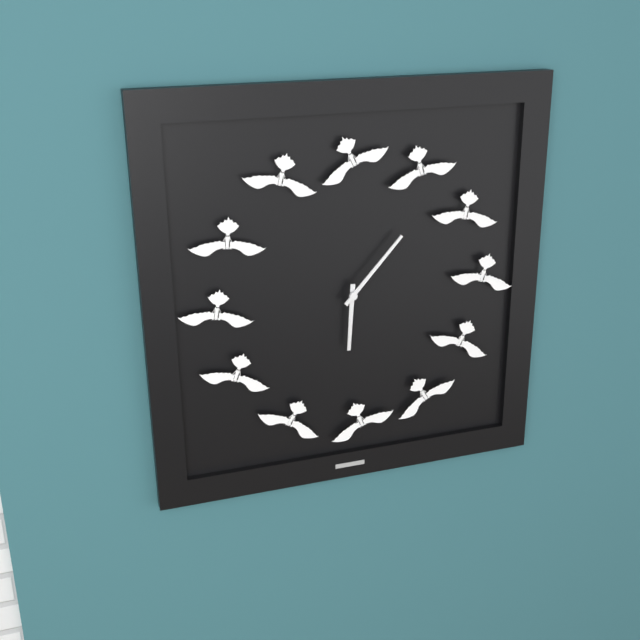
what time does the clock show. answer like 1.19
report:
6.07
